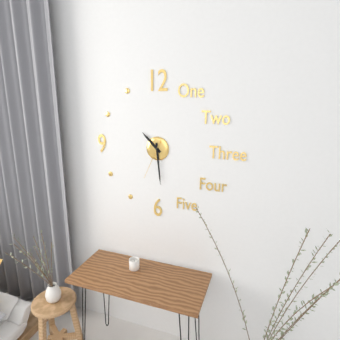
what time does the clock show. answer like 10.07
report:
10.29
